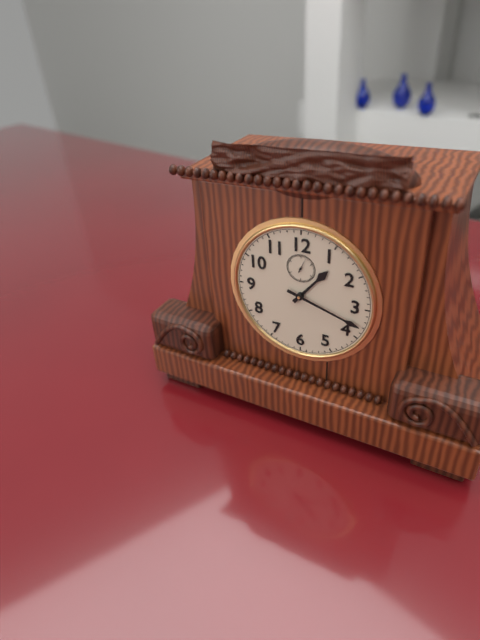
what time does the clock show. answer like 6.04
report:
1.18
